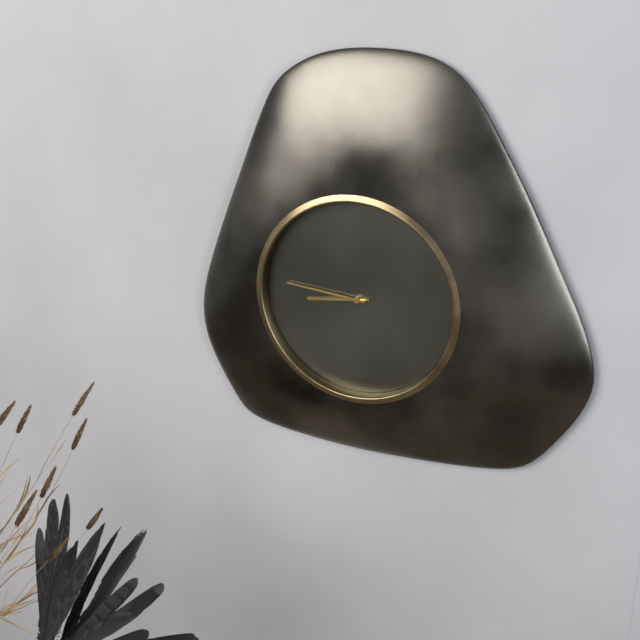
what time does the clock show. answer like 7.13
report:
8.46
